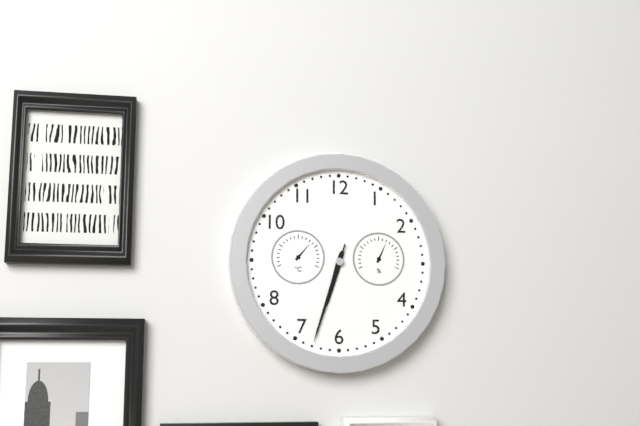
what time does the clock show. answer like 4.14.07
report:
6.33.33
